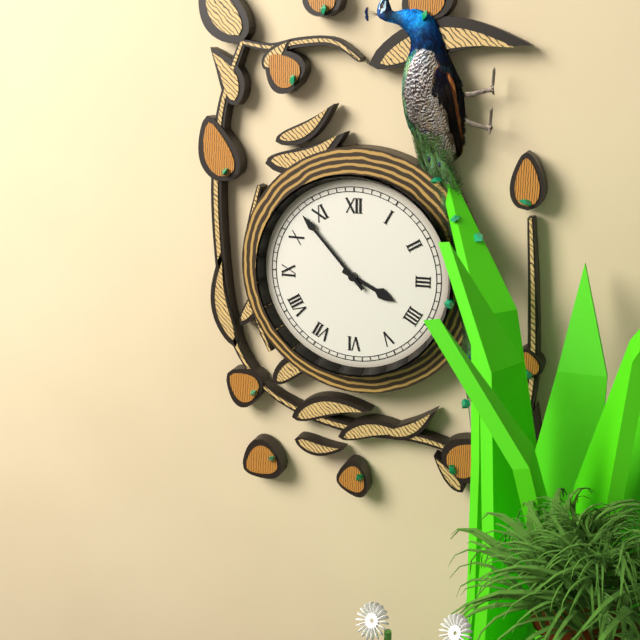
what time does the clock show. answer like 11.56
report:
3.53
